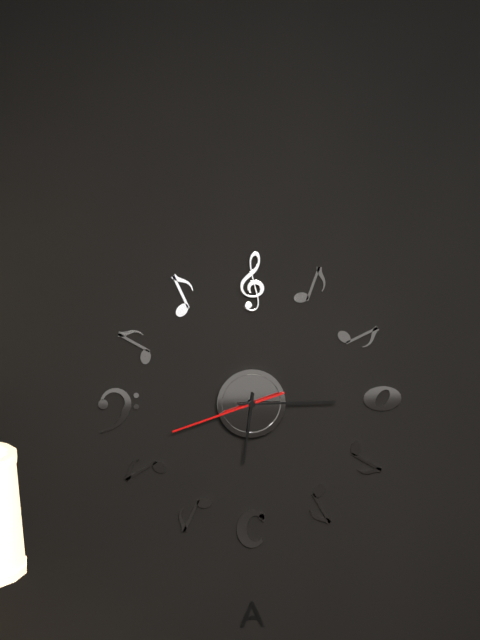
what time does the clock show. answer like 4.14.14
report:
6.15.42
